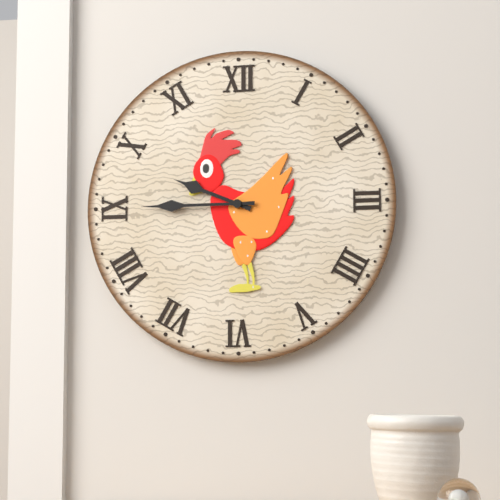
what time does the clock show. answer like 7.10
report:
9.45
